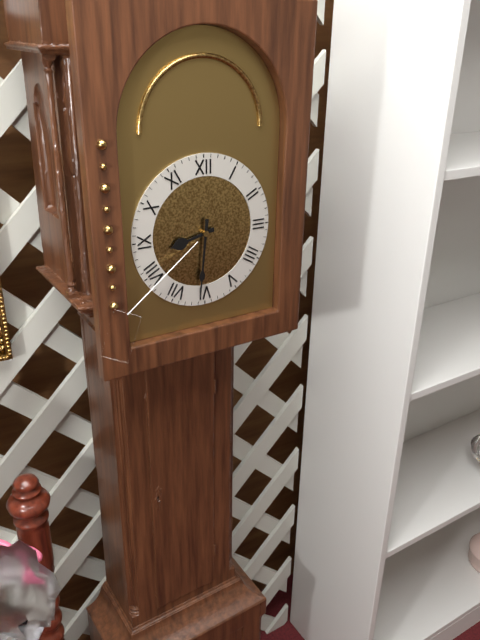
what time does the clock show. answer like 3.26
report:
8.31
